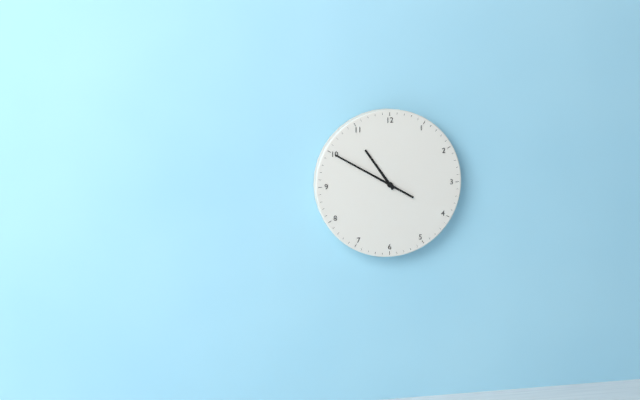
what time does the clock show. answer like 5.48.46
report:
10.50.50
